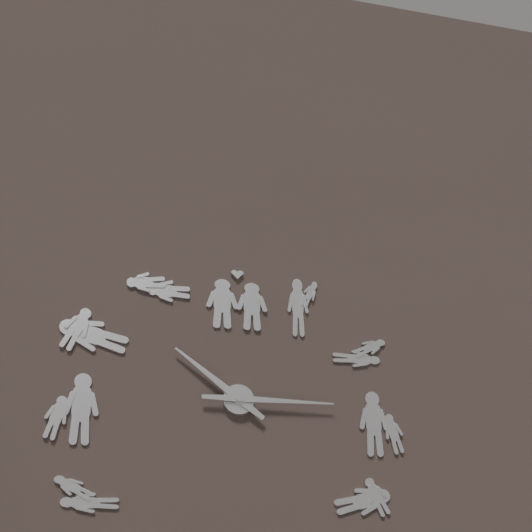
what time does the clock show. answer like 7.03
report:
10.15
